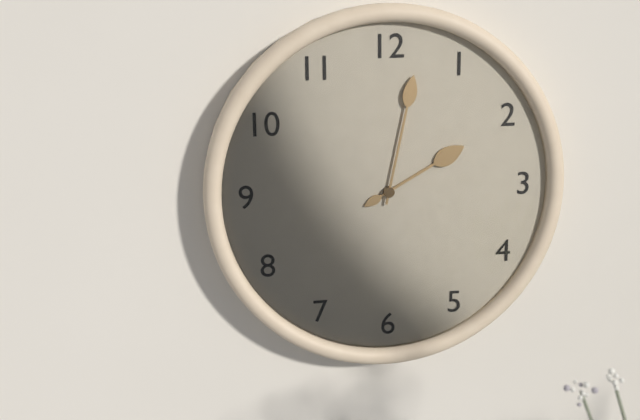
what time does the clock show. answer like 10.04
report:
2.02
